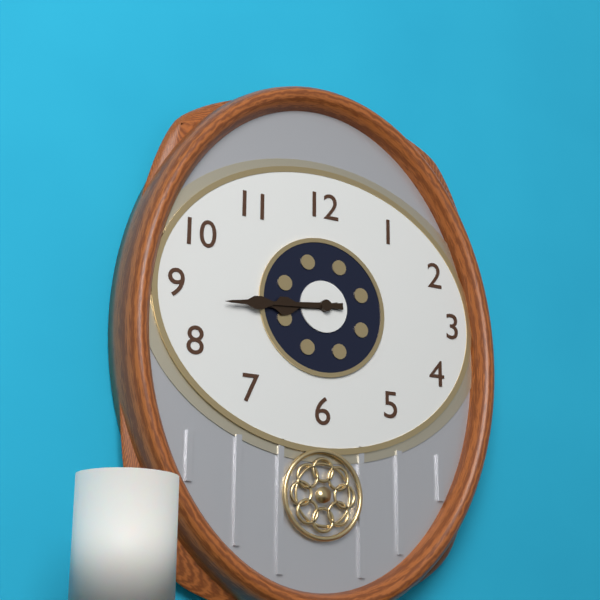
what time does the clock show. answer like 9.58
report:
8.44
